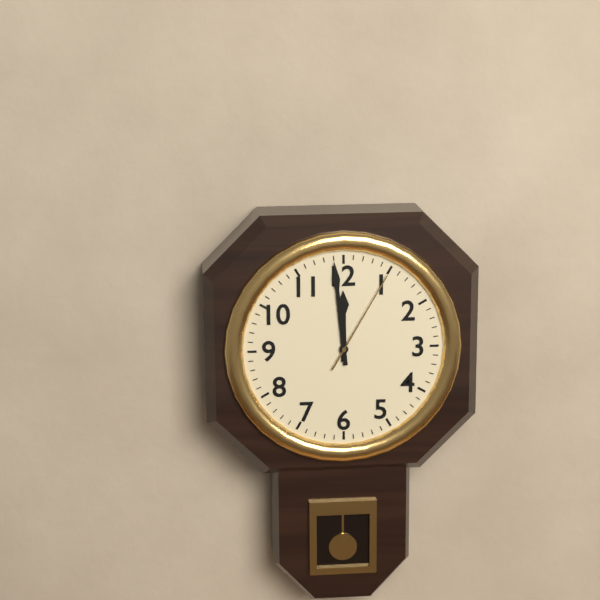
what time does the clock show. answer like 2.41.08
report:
11.59.05
